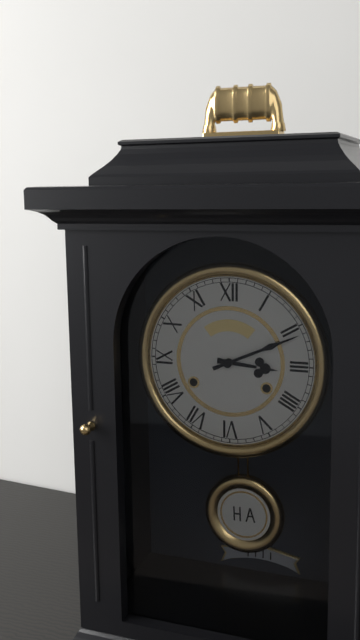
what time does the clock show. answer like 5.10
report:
3.11
